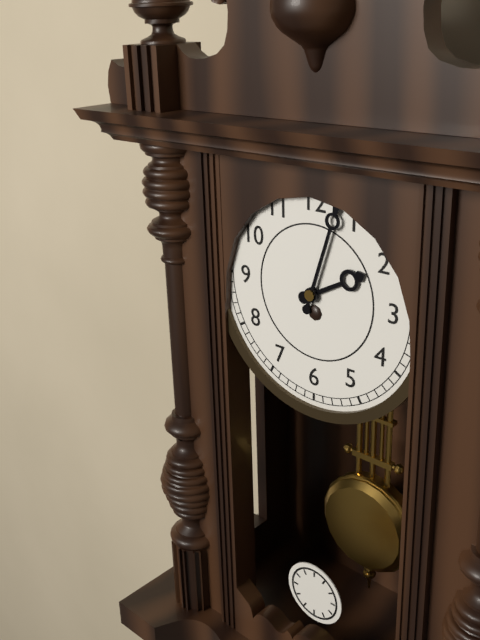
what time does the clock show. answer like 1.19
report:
2.03
